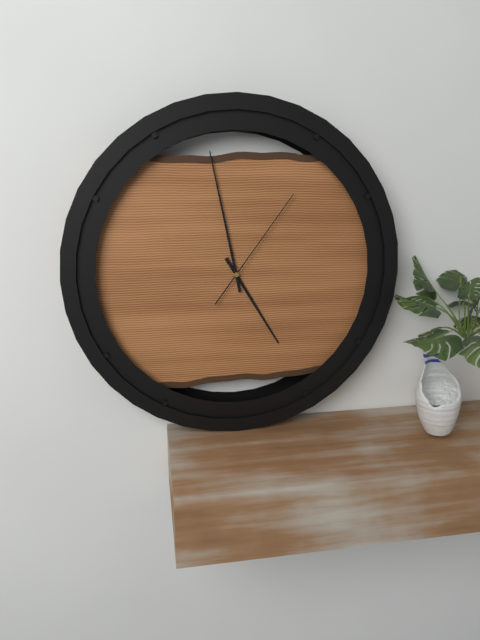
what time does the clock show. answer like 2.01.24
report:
4.58.06
